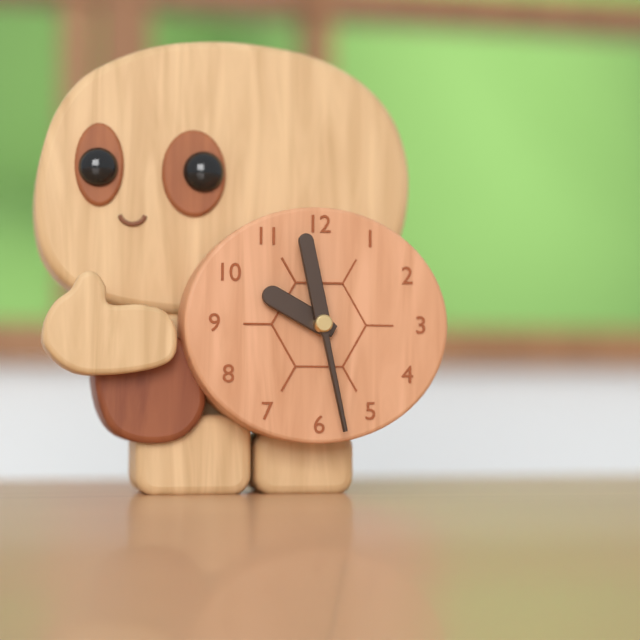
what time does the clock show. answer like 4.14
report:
9.58
